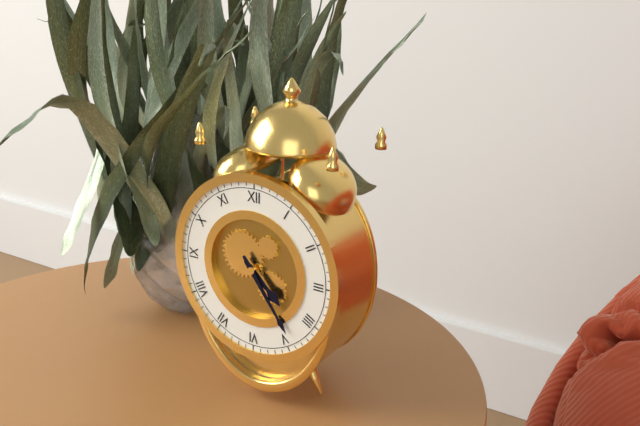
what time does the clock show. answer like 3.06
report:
4.24
